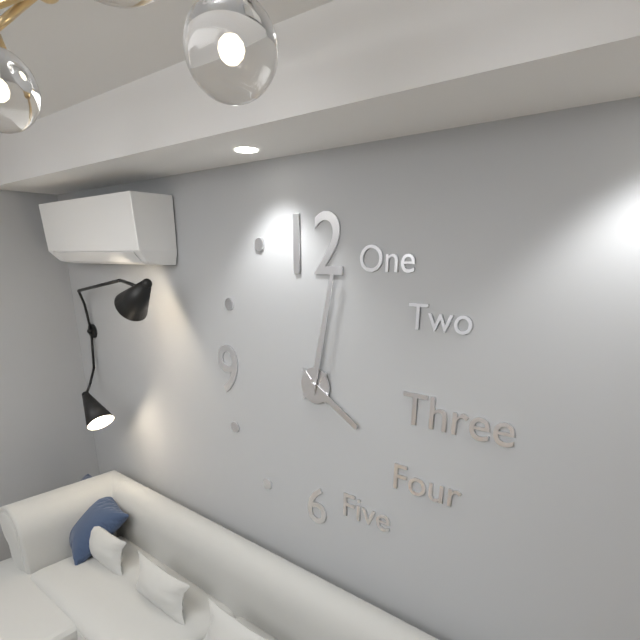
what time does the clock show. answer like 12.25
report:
4.02
